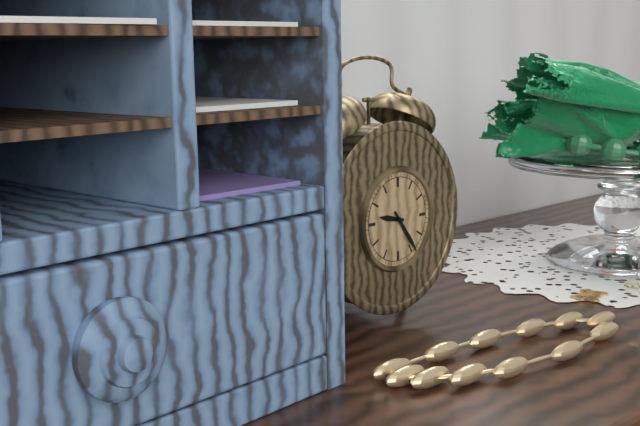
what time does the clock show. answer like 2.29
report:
9.24
